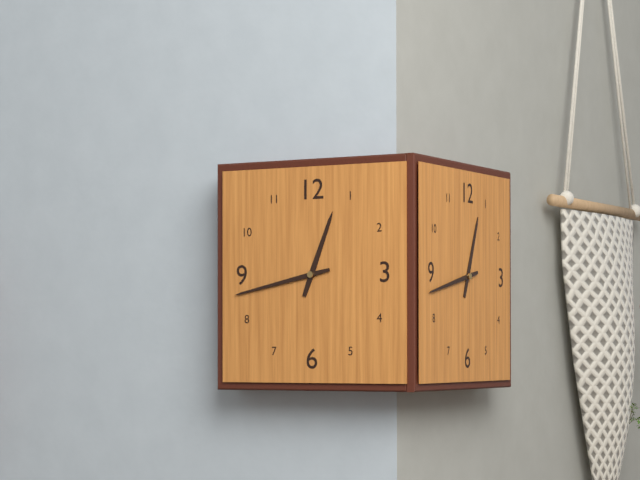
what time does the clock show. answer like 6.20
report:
12.43
